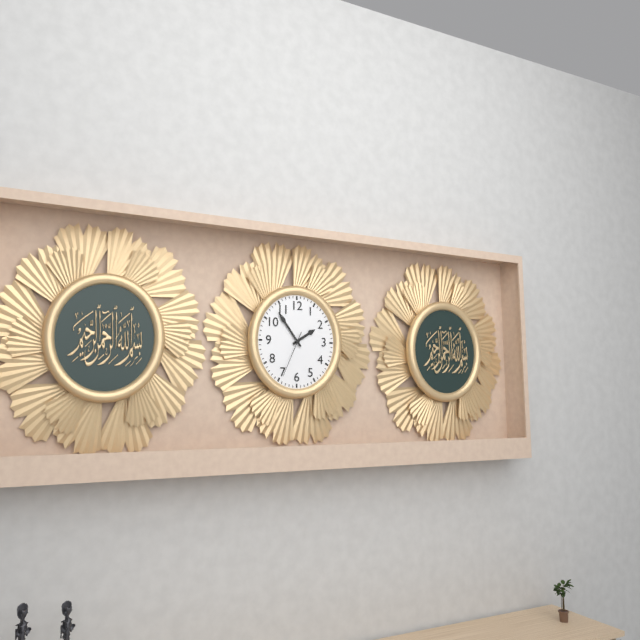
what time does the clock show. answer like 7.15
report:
1.54
